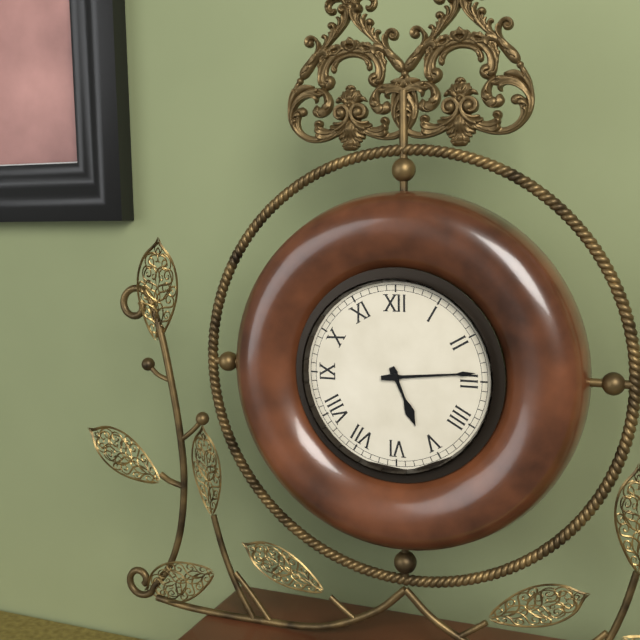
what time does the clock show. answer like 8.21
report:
5.14
